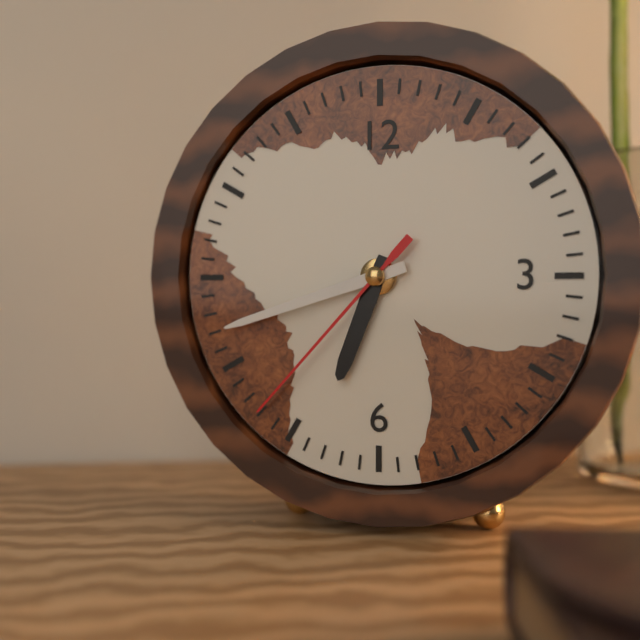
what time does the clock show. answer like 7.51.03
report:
6.42.37
